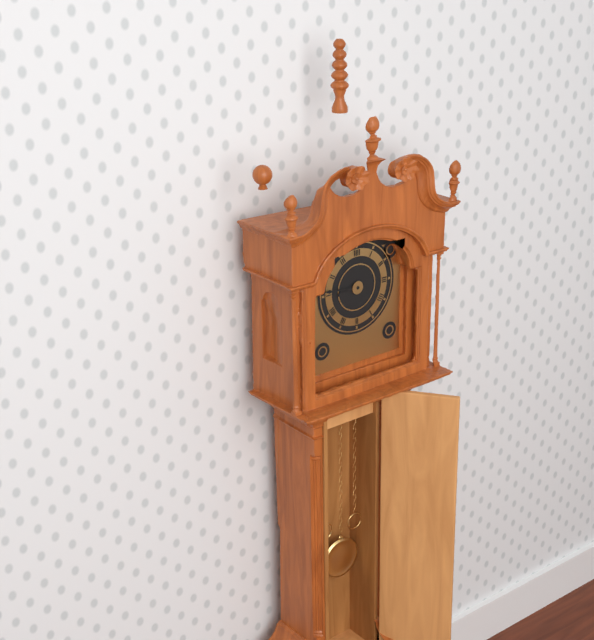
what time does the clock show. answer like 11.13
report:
8.46
